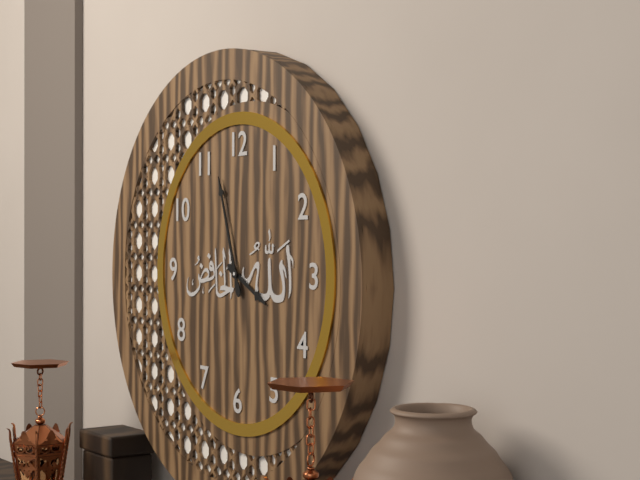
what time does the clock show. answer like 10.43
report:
3.57
